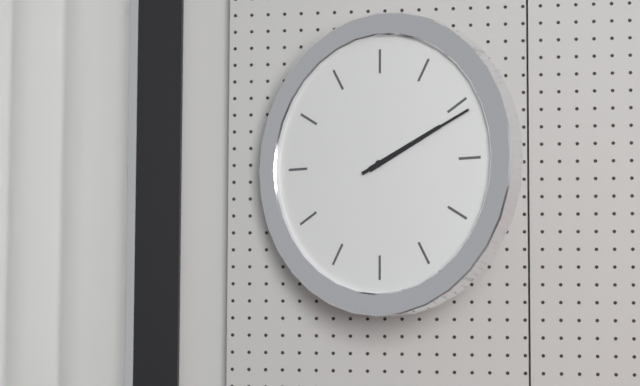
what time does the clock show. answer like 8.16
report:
2.11
